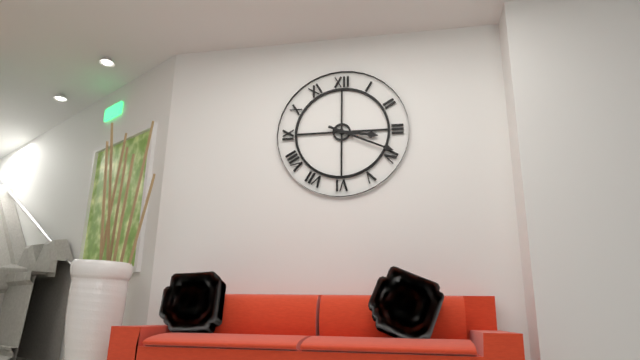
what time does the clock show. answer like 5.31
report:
3.19
